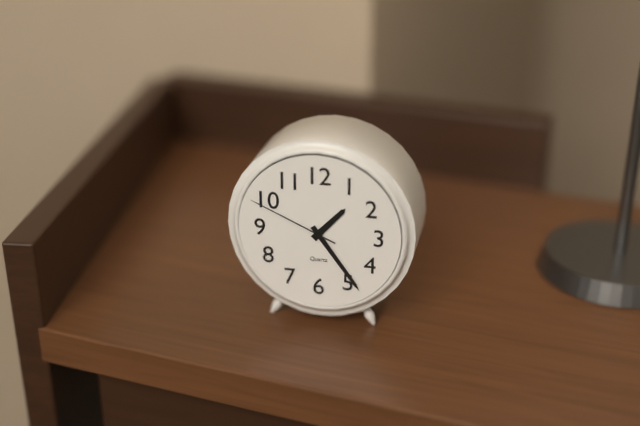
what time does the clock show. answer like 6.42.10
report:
1.24.49
